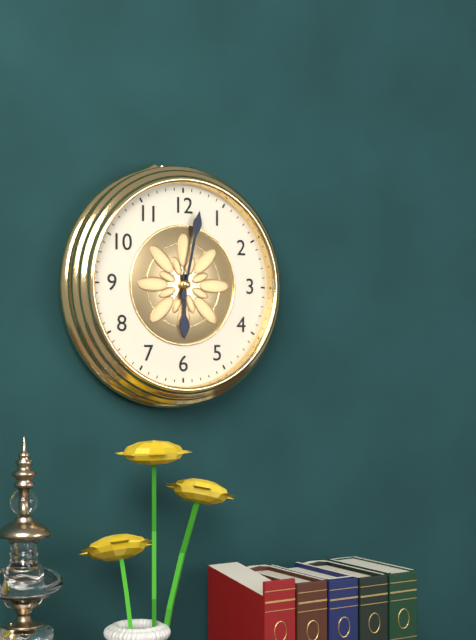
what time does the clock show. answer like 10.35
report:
6.02
